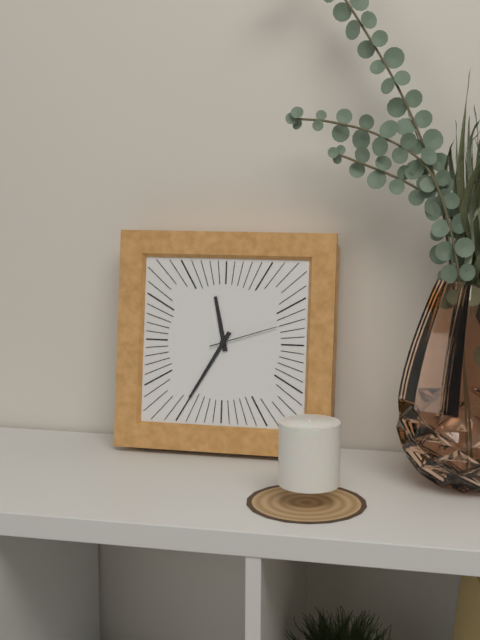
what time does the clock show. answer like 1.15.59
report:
11.35.12
